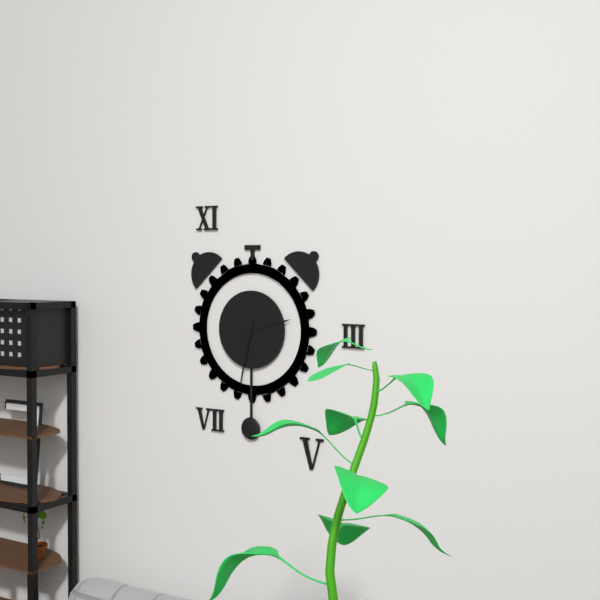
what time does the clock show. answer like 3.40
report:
2.32
